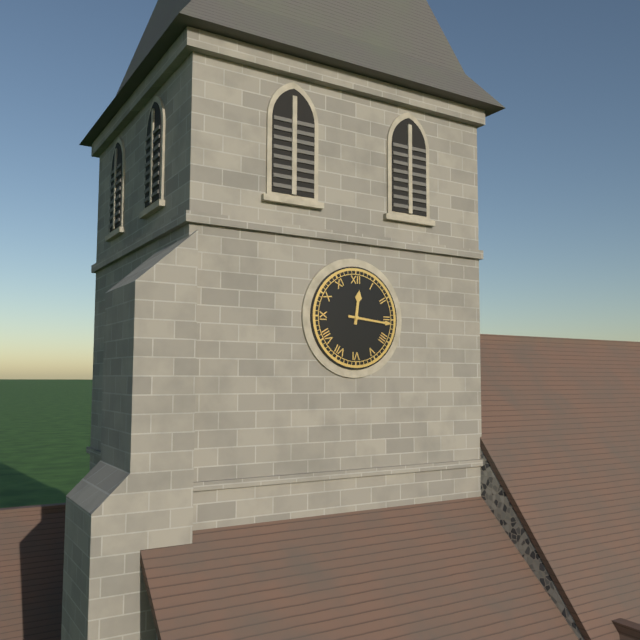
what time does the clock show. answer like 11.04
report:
12.16
